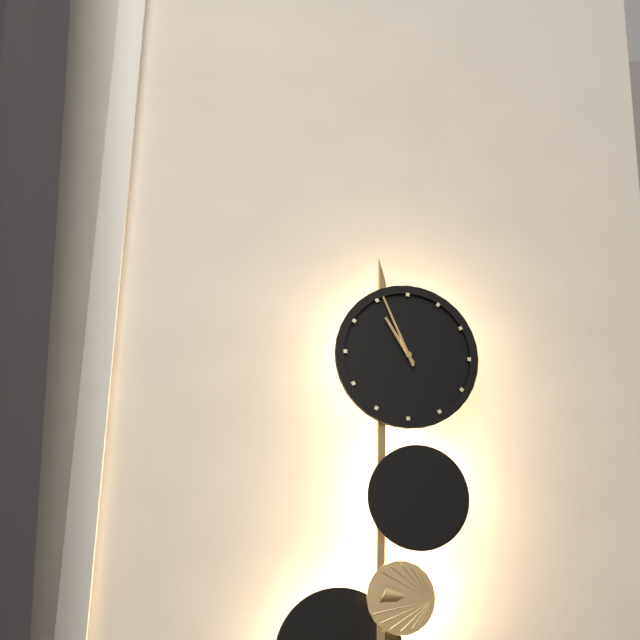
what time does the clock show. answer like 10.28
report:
10.56
